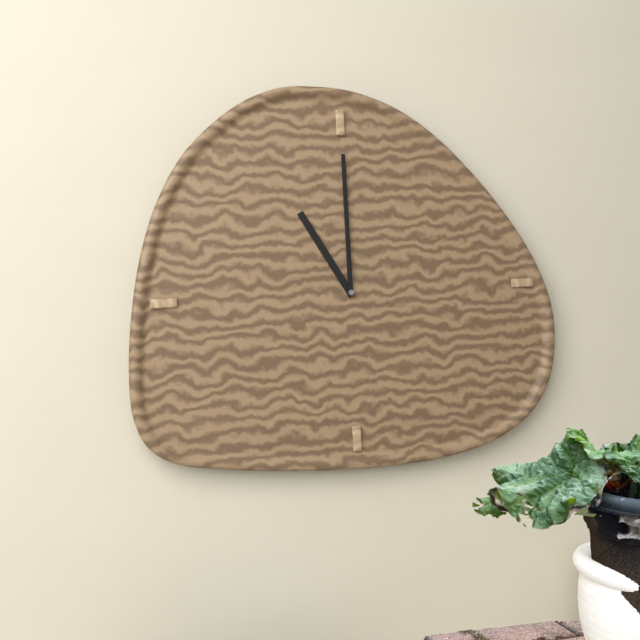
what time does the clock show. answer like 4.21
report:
11.00
